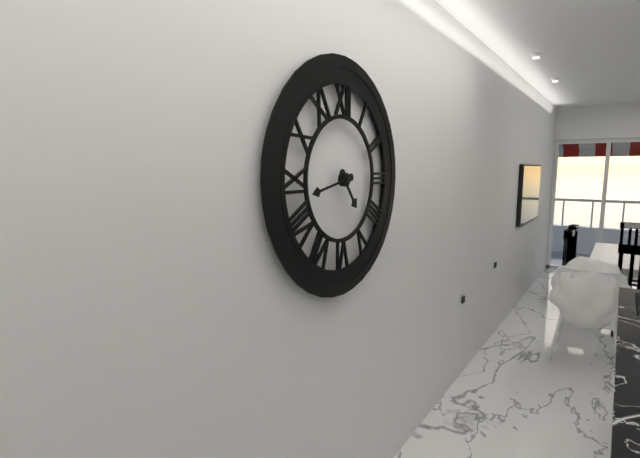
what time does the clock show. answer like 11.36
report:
4.43
